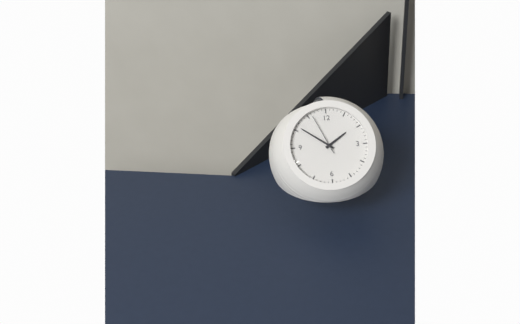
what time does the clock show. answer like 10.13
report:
1.51
